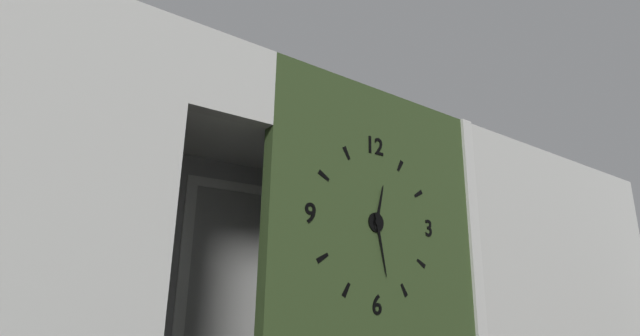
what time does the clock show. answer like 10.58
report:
12.28
